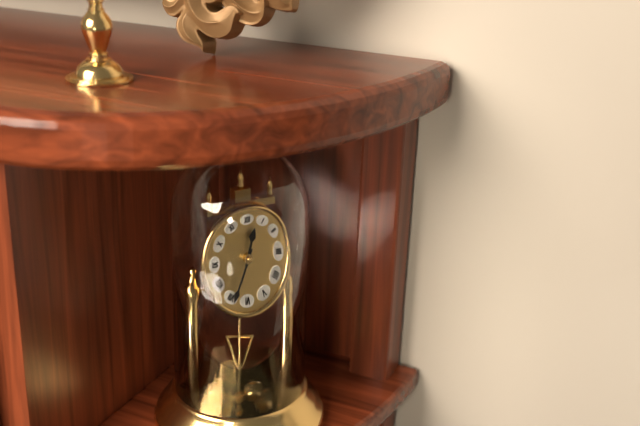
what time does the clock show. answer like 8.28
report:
12.34
